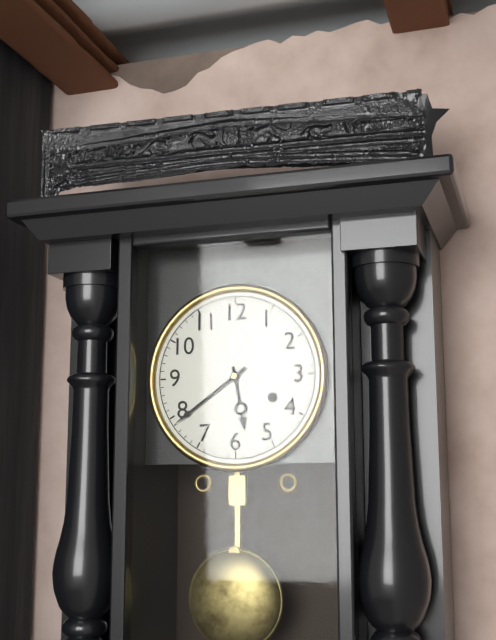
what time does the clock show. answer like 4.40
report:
5.39
